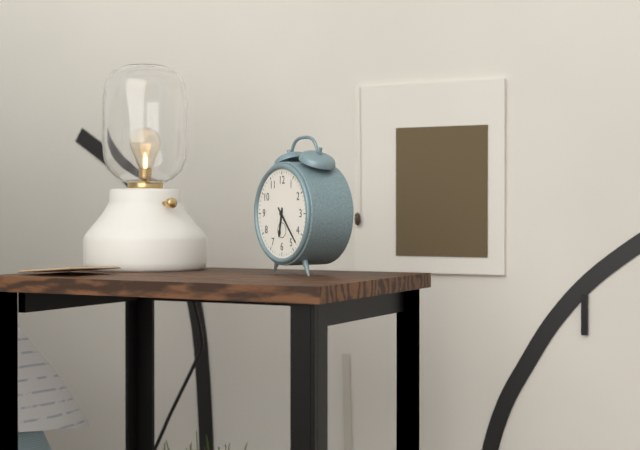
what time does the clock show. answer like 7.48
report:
6.23
